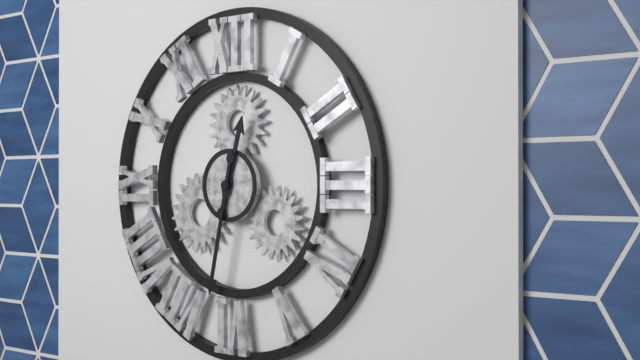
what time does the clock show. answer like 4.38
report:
12.32
